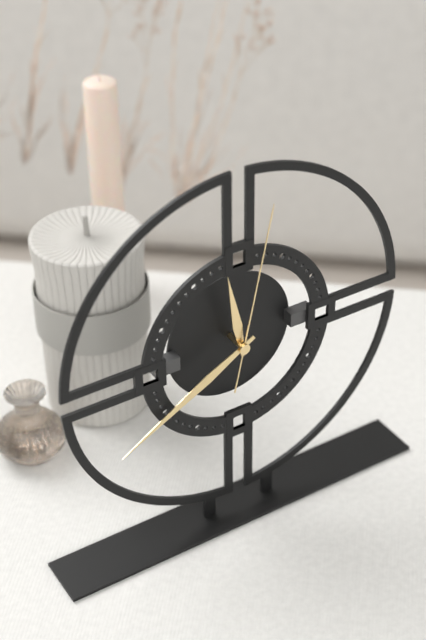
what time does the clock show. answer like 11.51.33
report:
11.40.02
